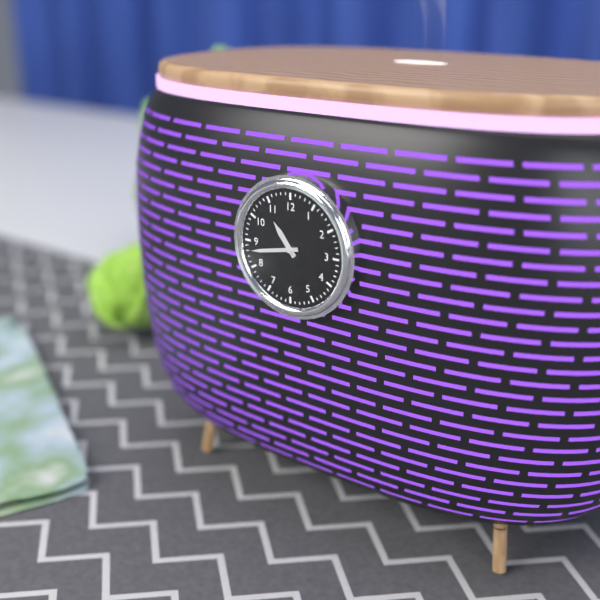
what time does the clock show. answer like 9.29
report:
10.43
